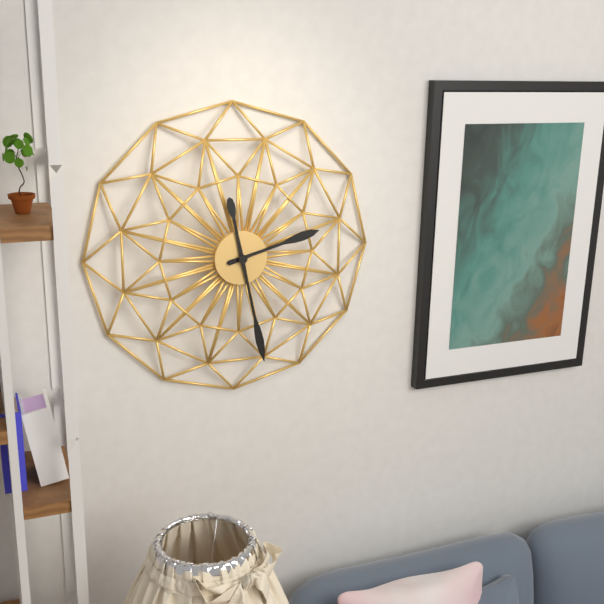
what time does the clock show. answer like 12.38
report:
2.28
